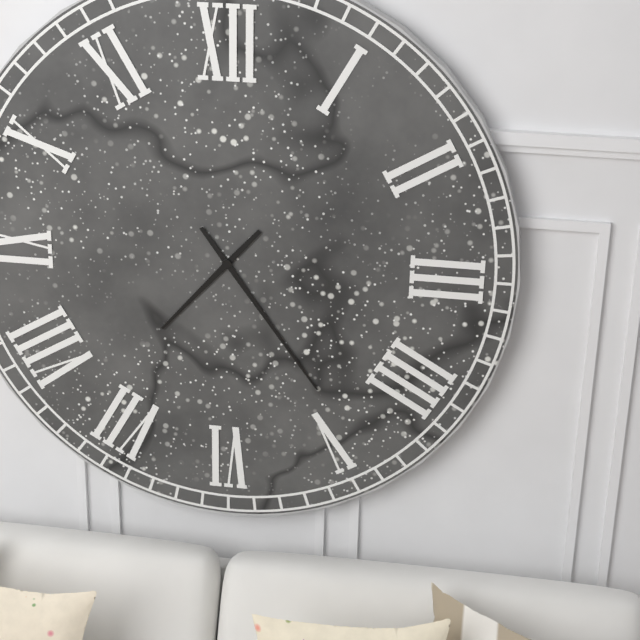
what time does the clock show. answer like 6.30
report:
7.24
